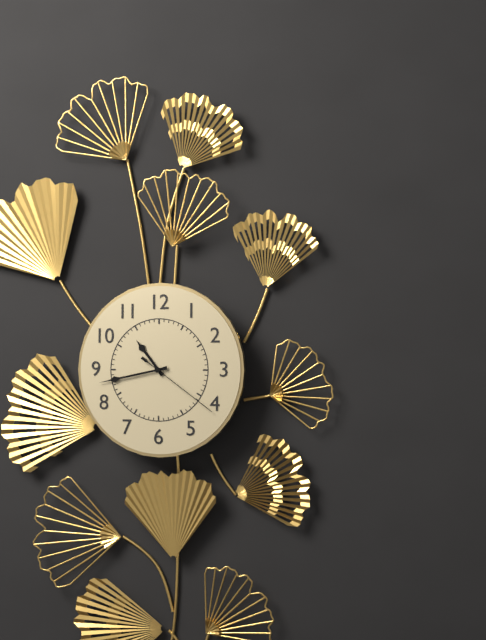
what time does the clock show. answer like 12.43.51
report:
10.43.21
